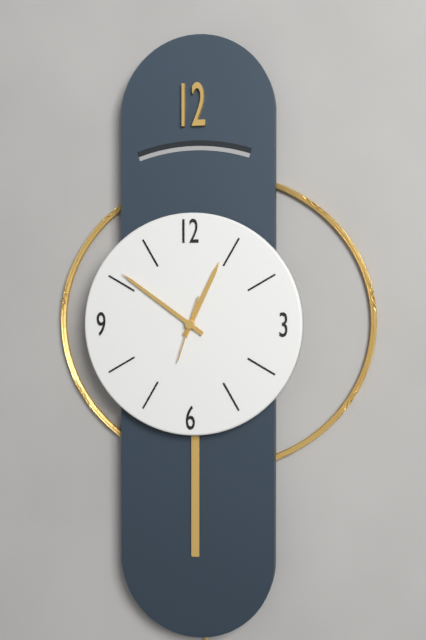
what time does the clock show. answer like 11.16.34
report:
12.51.33
